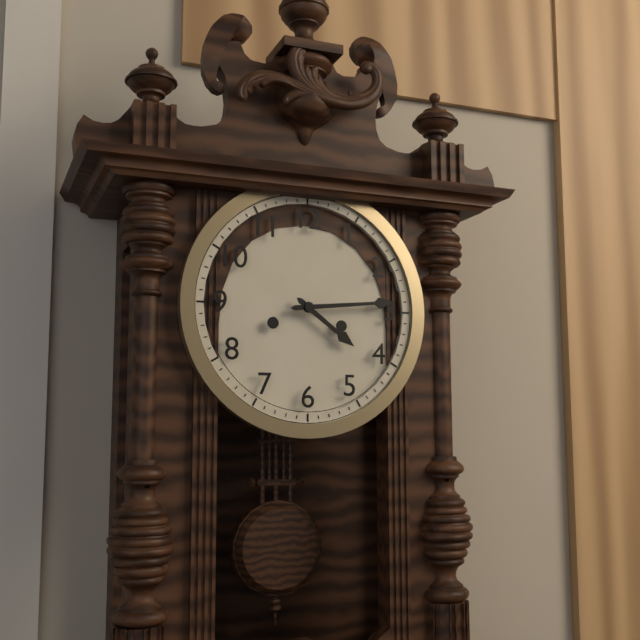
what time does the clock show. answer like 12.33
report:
4.14
